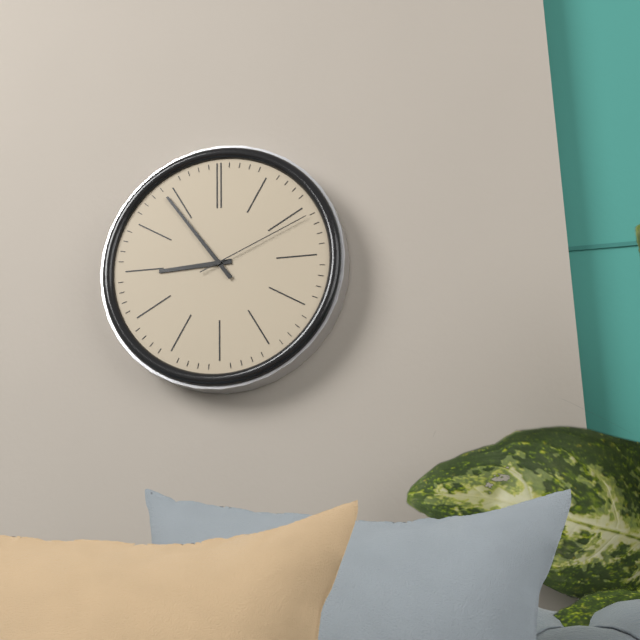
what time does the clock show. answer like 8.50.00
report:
8.54.11
